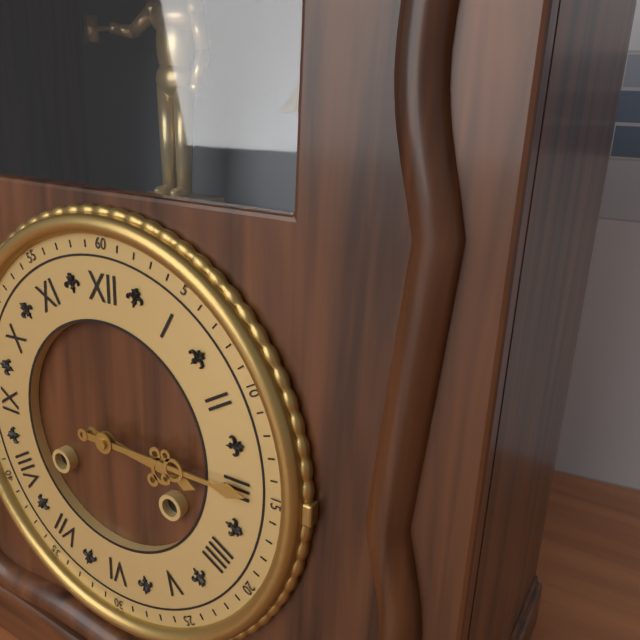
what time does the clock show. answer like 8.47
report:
3.15
